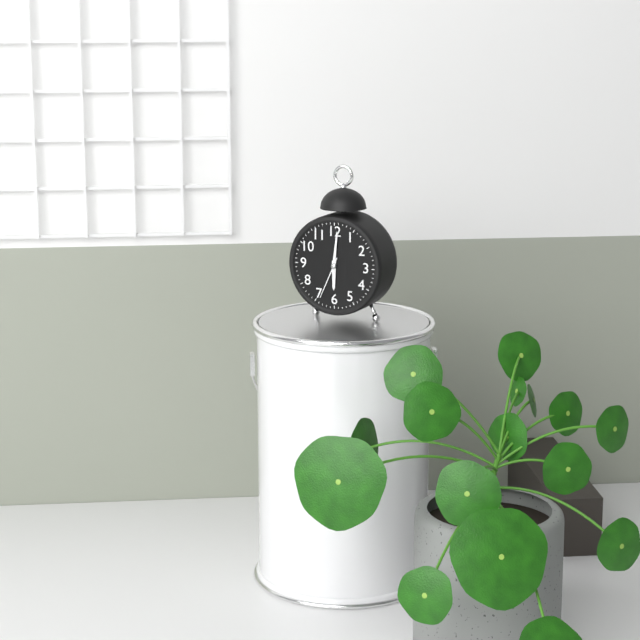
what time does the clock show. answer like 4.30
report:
6.01
